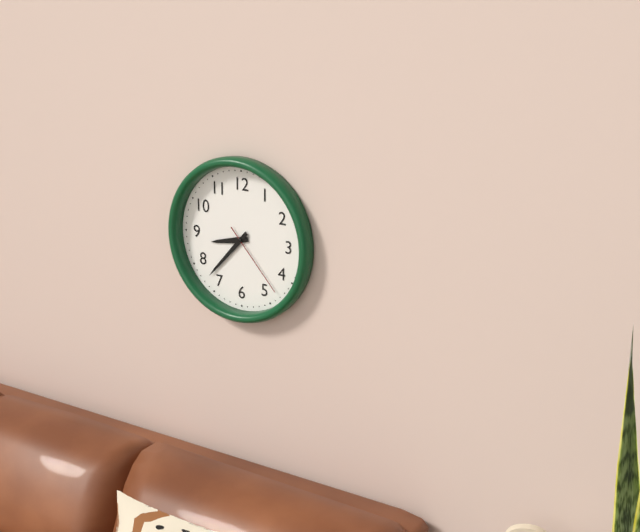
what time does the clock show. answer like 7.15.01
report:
8.37.23
